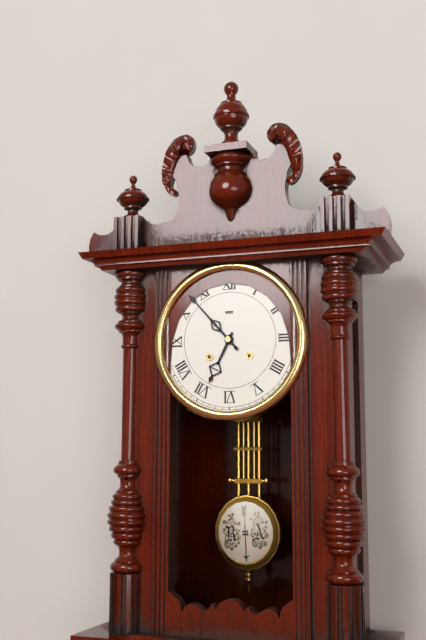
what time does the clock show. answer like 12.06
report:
6.53
